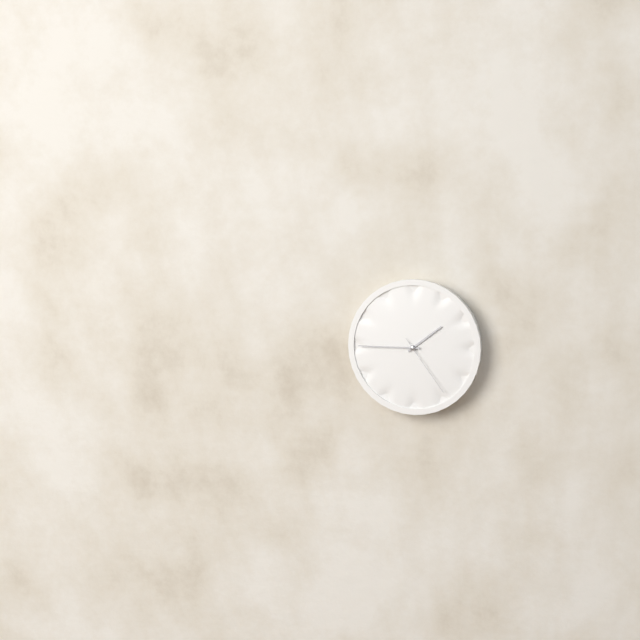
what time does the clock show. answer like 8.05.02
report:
1.45.24
